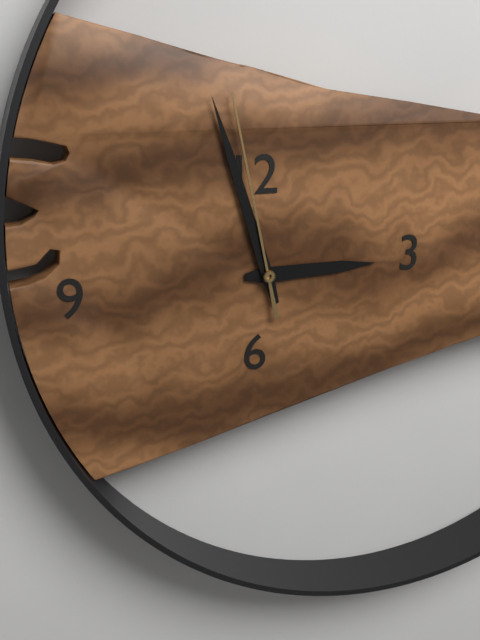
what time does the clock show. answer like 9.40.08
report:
2.57.58
